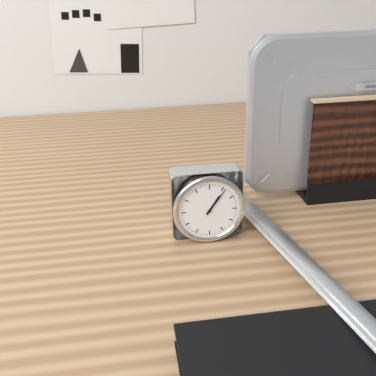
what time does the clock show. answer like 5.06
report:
1.06
